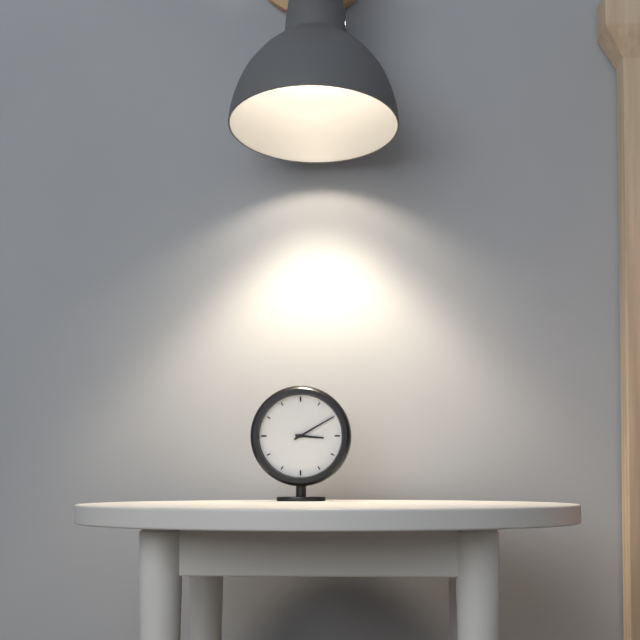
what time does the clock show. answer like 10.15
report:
3.10
